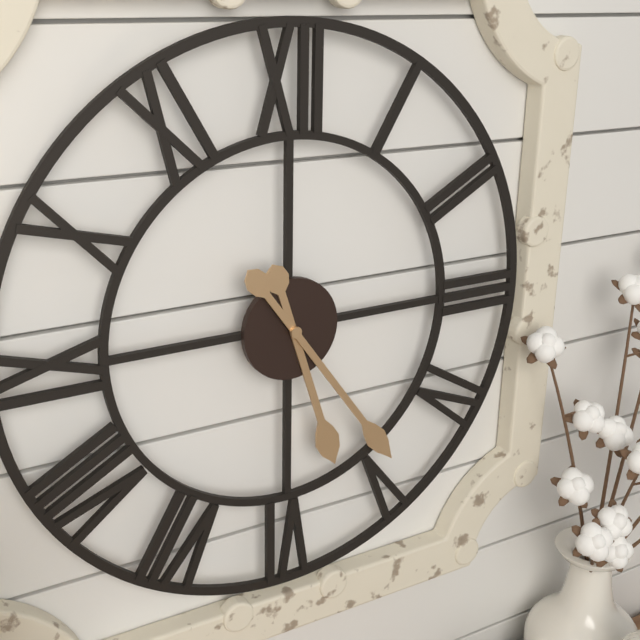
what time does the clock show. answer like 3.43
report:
5.24
